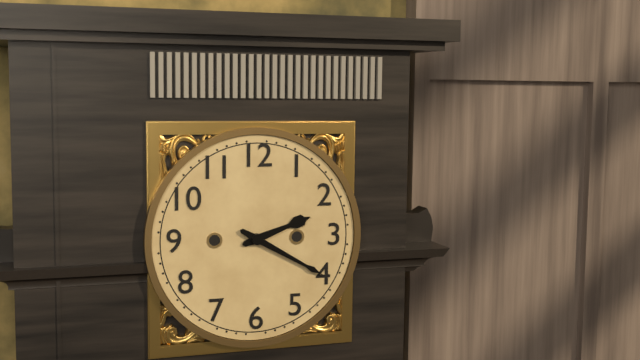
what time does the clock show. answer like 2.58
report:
2.20
